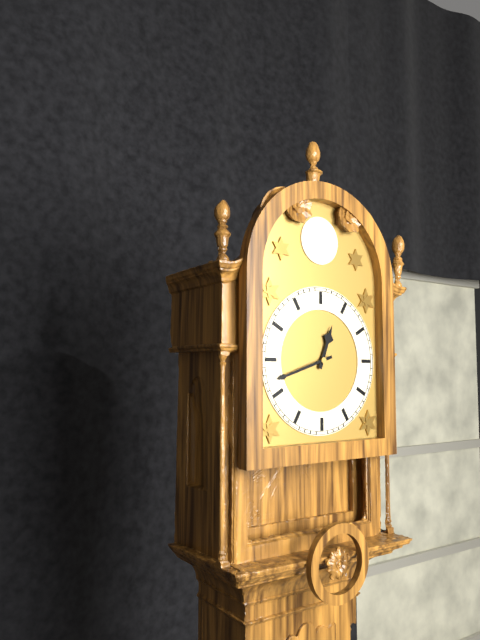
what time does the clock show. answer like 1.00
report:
12.42
